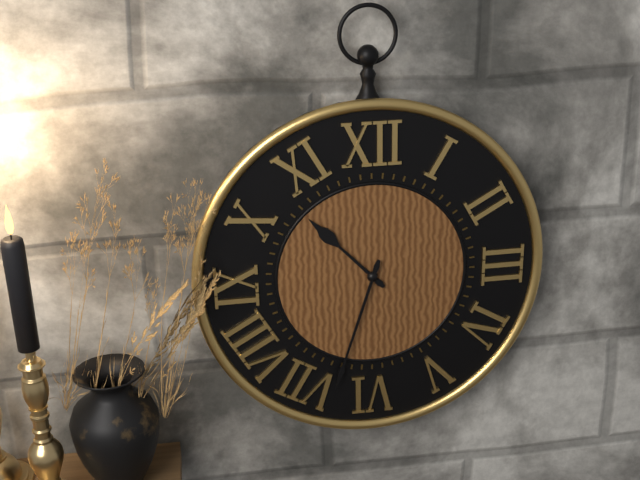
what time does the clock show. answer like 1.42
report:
10.33
